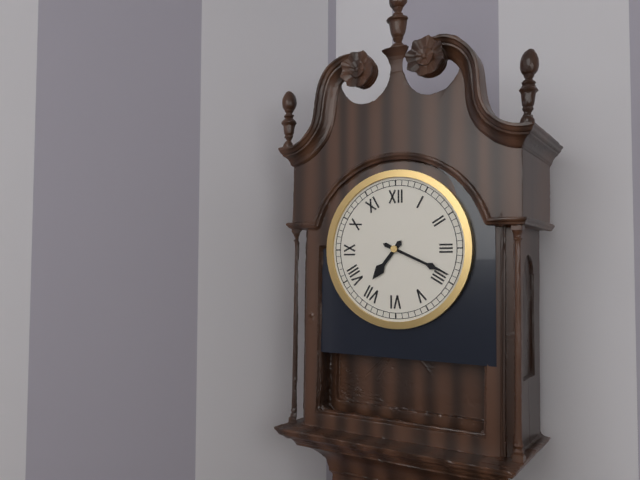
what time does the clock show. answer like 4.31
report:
7.19
